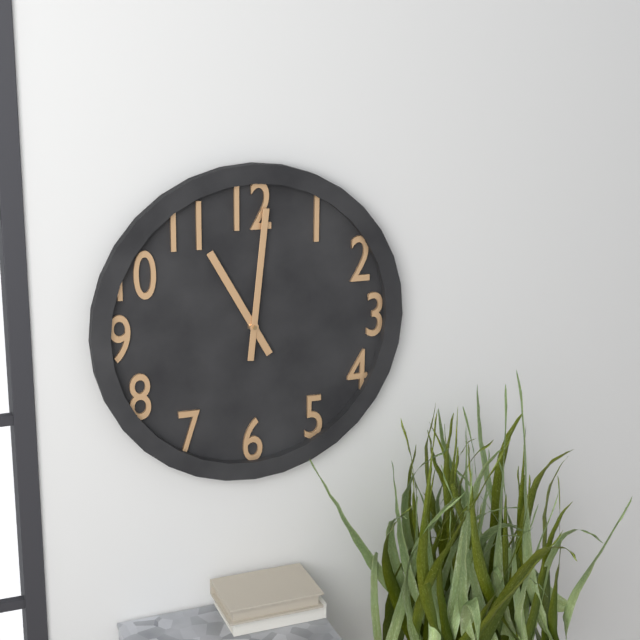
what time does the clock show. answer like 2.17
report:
11.01
